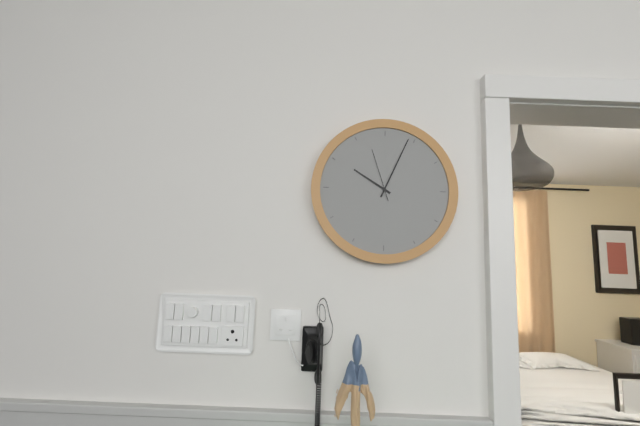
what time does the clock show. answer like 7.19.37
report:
10.04.57
